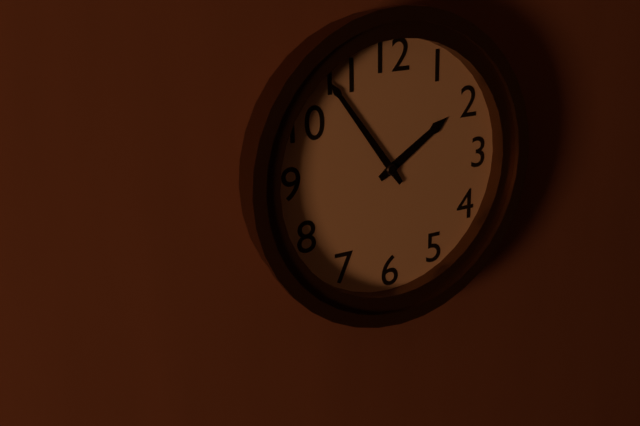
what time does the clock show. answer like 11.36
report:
1.54
